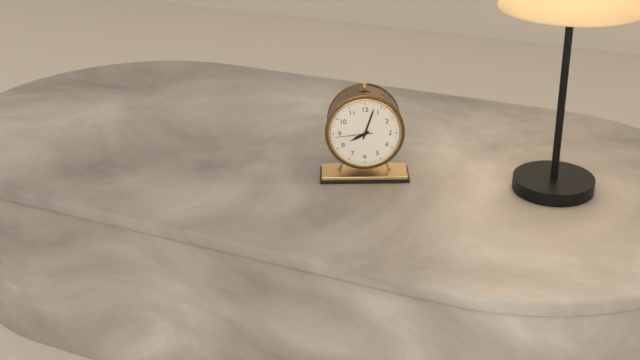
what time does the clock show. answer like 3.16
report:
8.03
